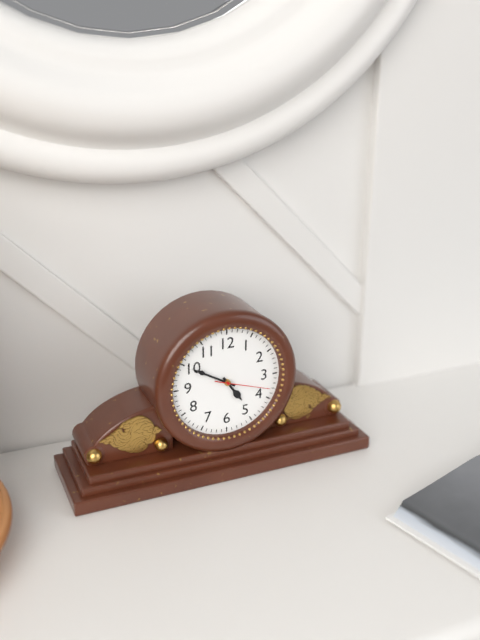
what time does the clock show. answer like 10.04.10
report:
4.50.18
